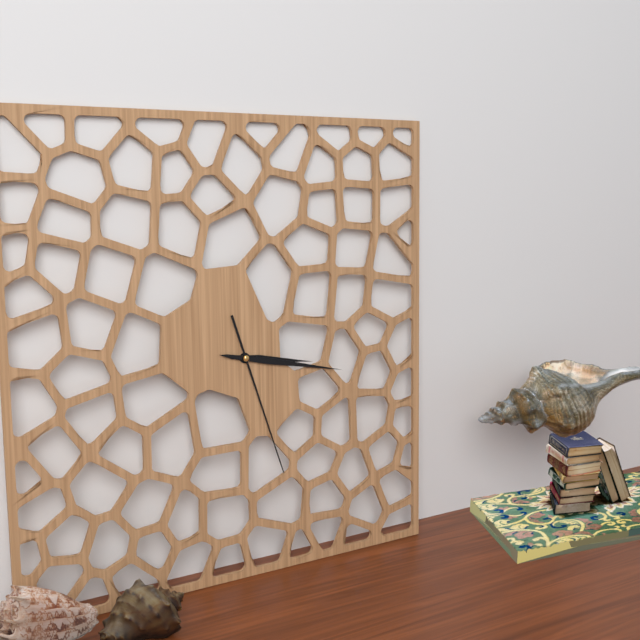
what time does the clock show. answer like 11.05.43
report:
3.17.27
